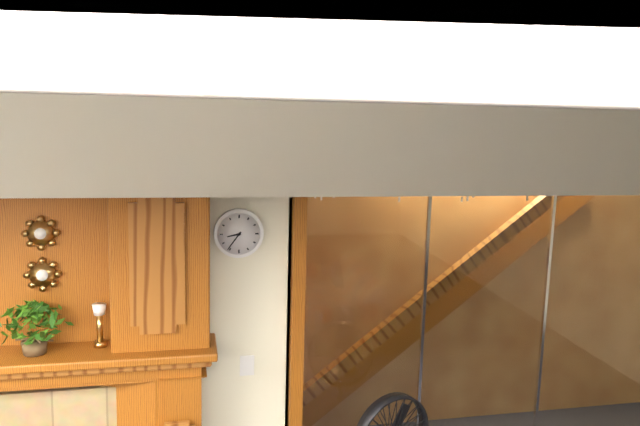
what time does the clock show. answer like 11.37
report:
8.36
